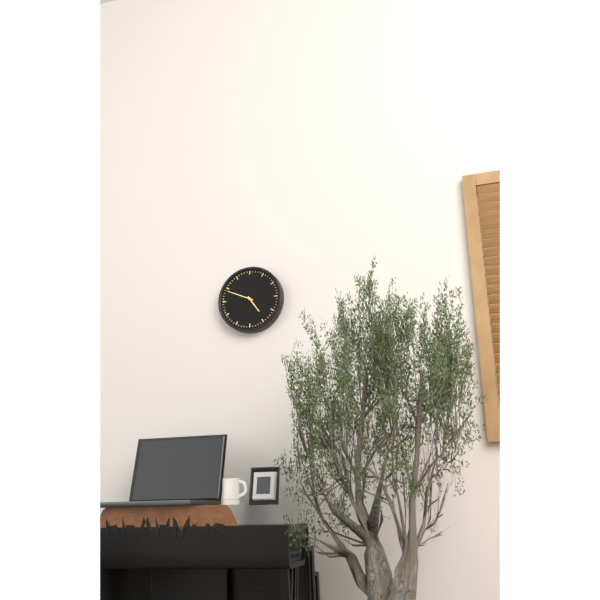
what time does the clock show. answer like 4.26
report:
4.49
